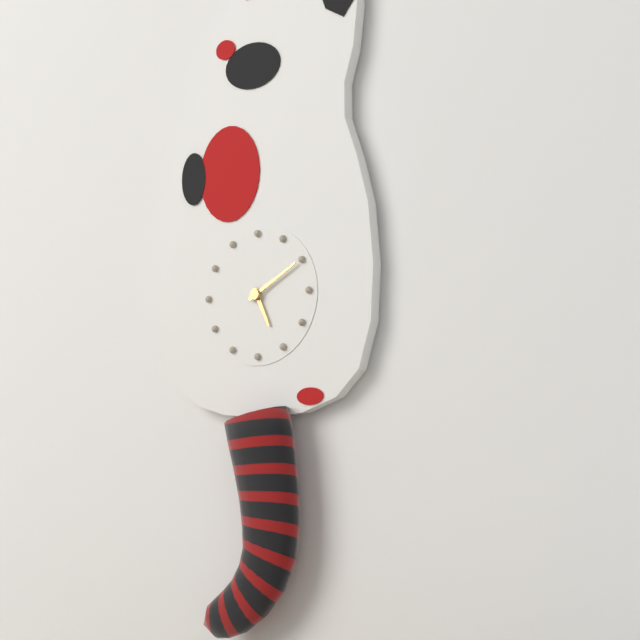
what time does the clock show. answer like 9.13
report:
5.10
